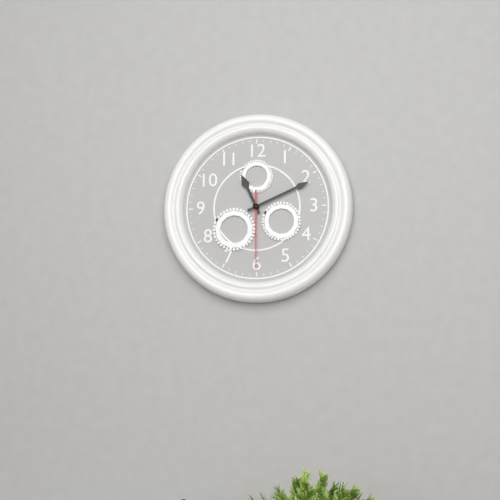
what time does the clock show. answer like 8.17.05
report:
11.11.30
